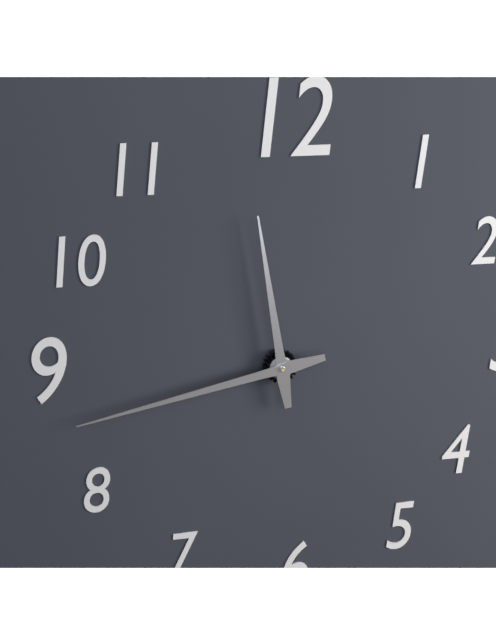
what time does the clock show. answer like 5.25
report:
11.43
